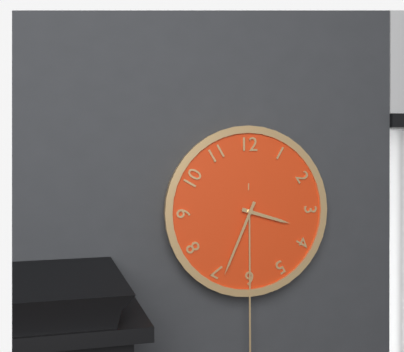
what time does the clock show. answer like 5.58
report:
3.34
